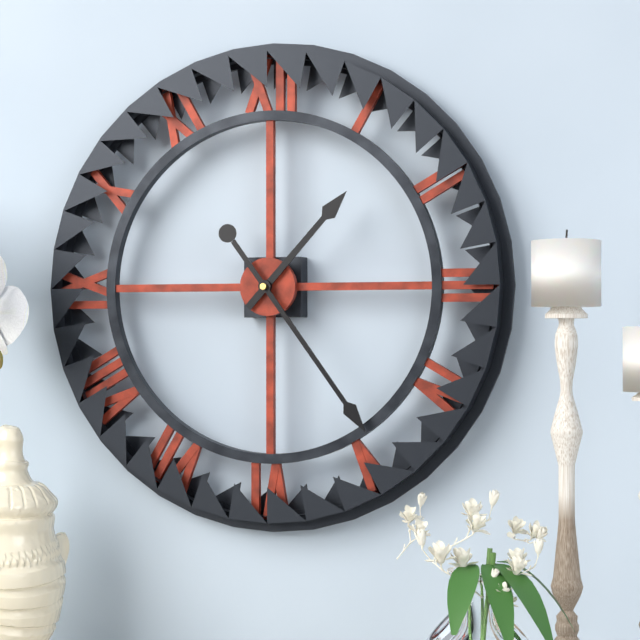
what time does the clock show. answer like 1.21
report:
1.24
